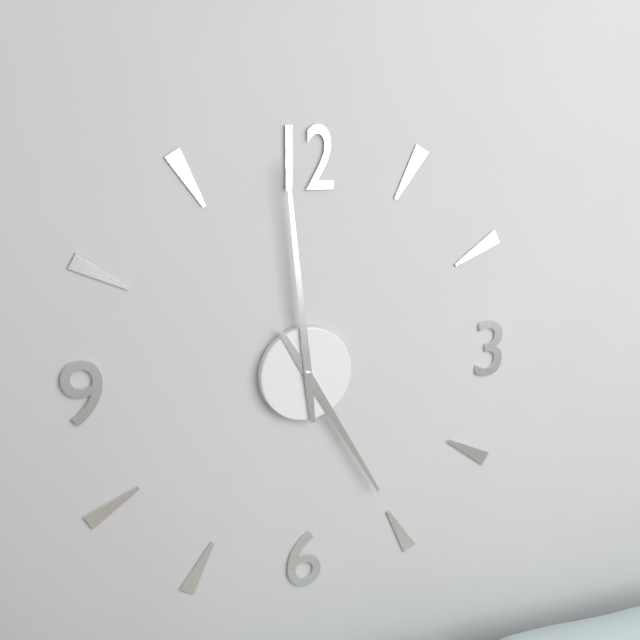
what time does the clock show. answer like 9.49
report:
4.59
